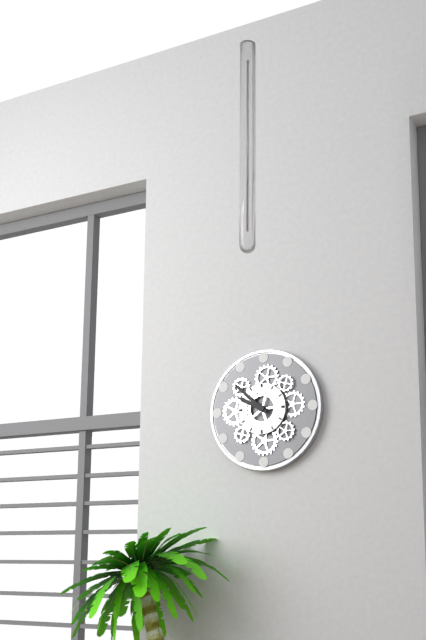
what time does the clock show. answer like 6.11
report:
9.52
